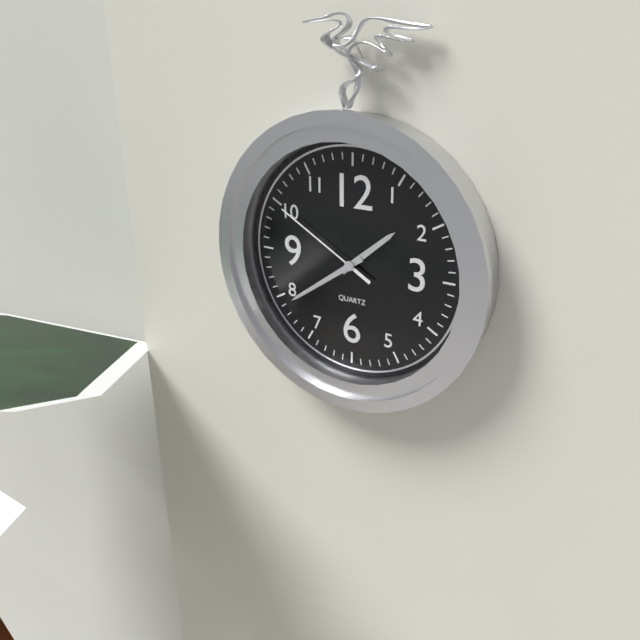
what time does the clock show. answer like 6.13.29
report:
1.39.50
